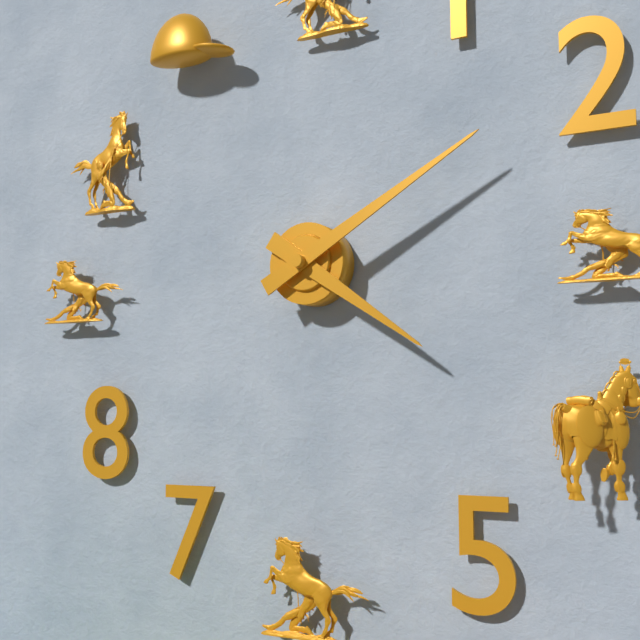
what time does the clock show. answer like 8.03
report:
4.10
